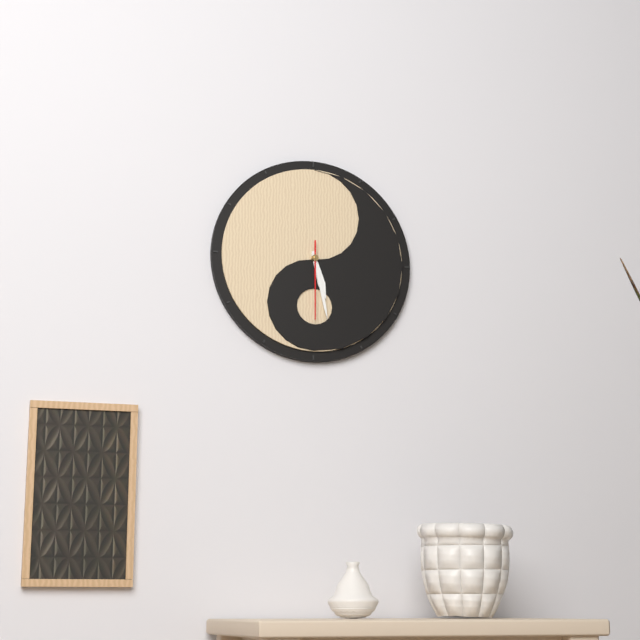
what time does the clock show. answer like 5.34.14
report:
5.28.30
